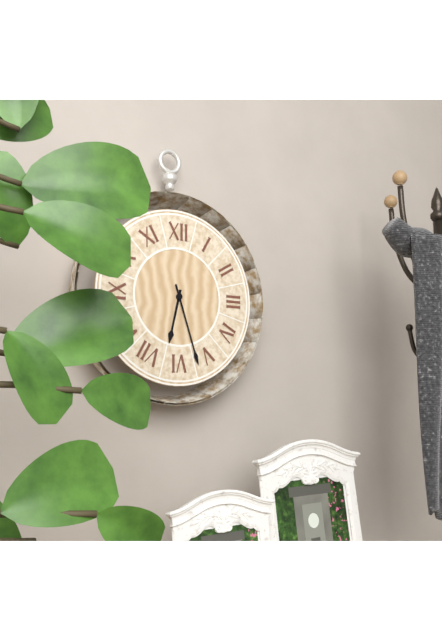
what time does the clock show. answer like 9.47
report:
6.27
